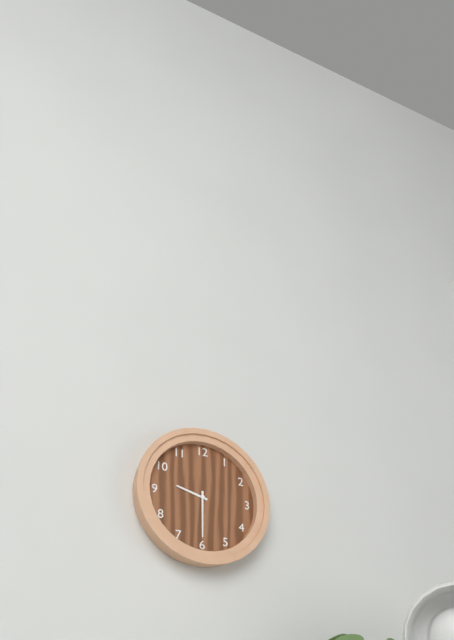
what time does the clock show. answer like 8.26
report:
9.30
